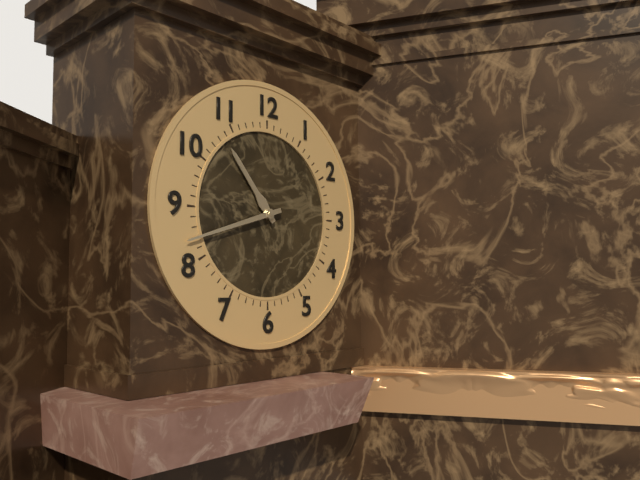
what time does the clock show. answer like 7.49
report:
10.42
